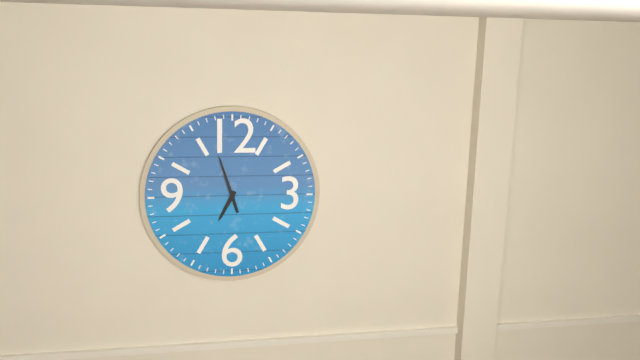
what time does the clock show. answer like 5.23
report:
6.57
